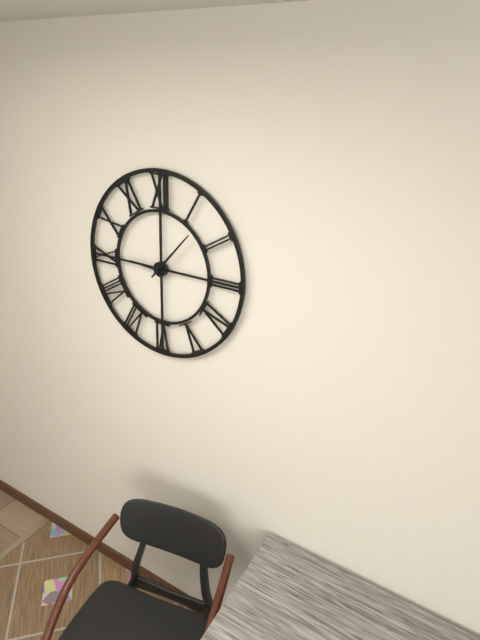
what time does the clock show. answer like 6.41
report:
9.07
